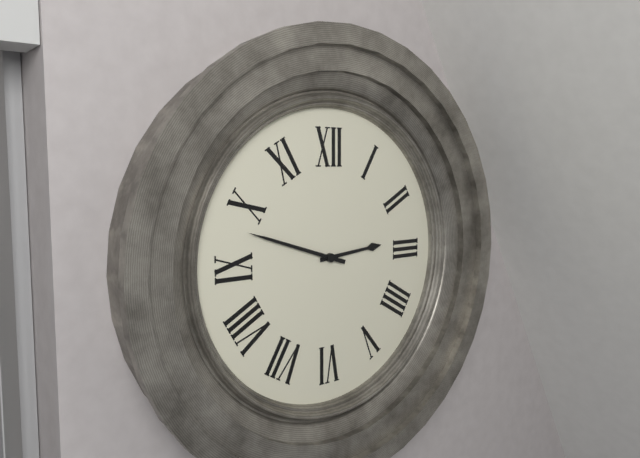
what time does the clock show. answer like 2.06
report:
2.48
